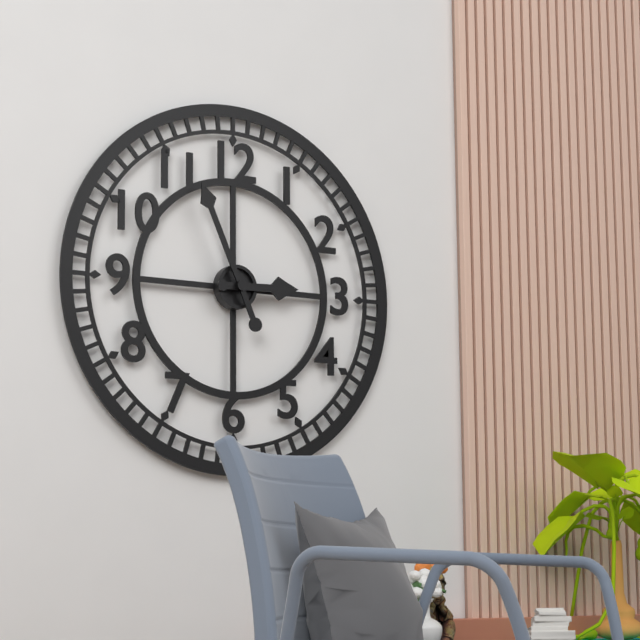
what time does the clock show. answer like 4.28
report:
2.56
